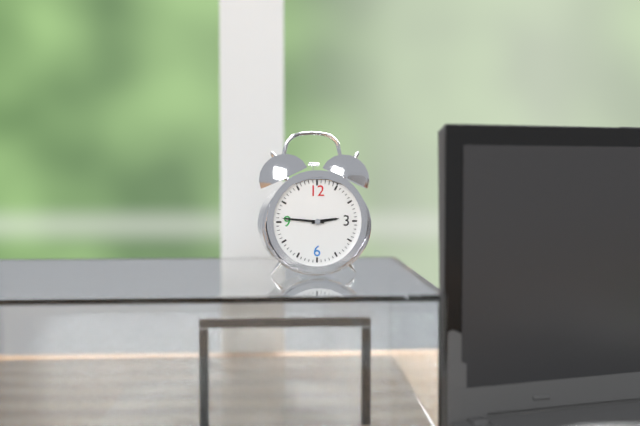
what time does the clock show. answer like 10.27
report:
2.46
